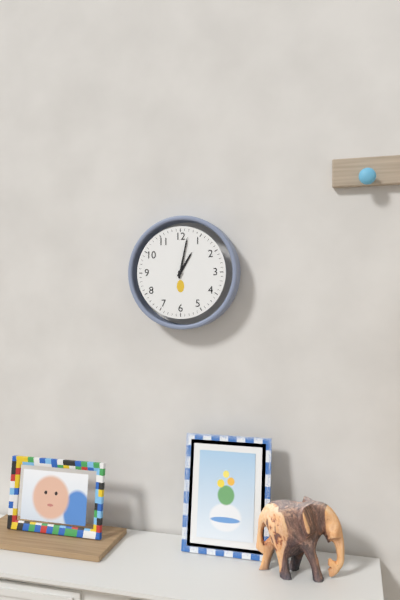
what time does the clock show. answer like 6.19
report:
1.02
